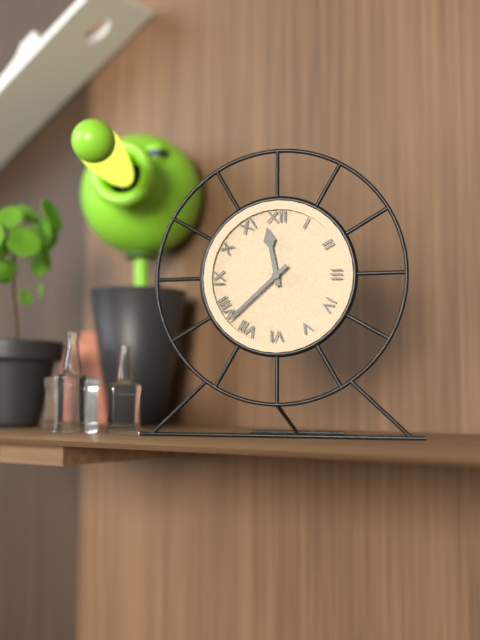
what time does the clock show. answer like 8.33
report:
11.38
